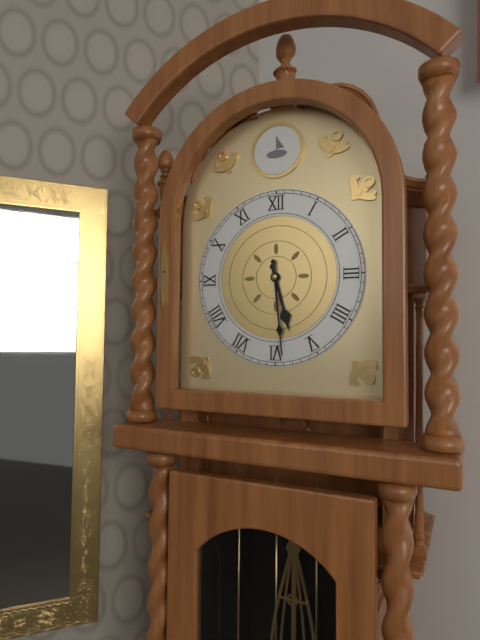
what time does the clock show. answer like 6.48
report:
5.29
